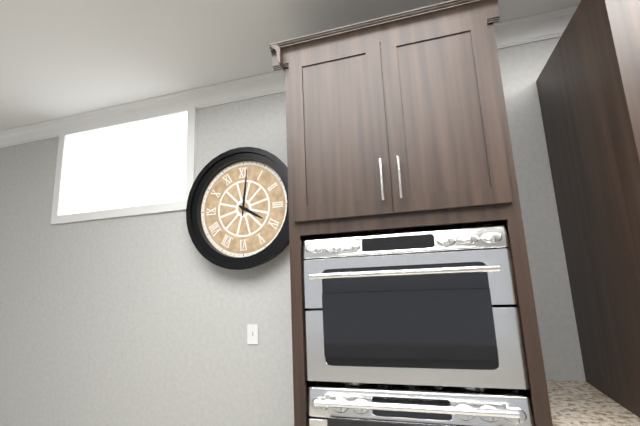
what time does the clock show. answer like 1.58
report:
4.01
